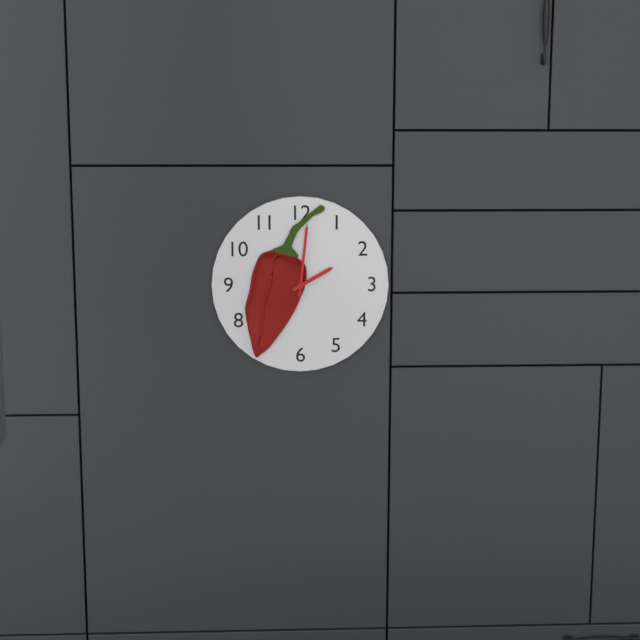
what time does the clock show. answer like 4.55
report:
2.01
